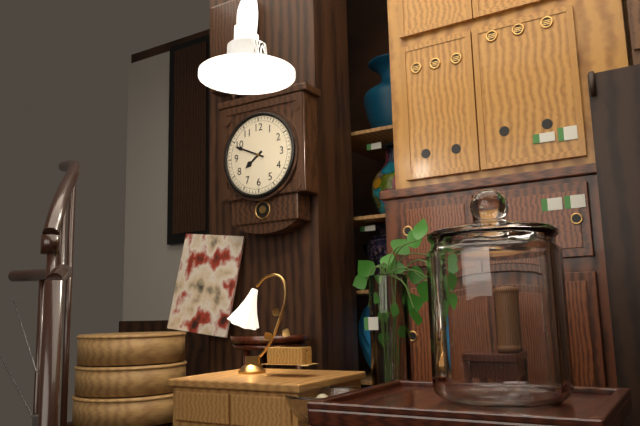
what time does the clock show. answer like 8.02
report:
7.49
